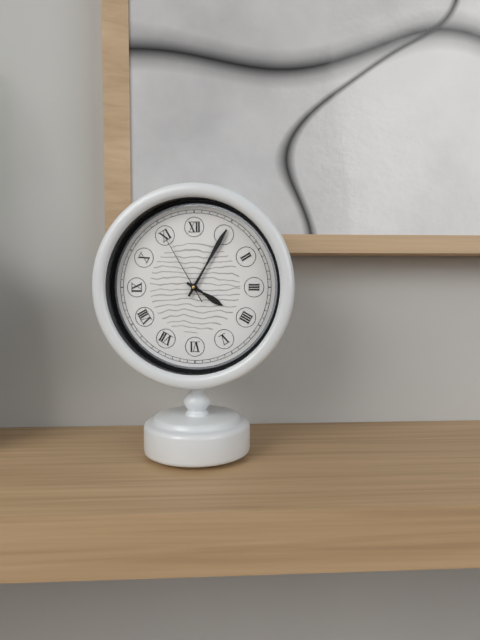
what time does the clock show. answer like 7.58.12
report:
4.05.55
